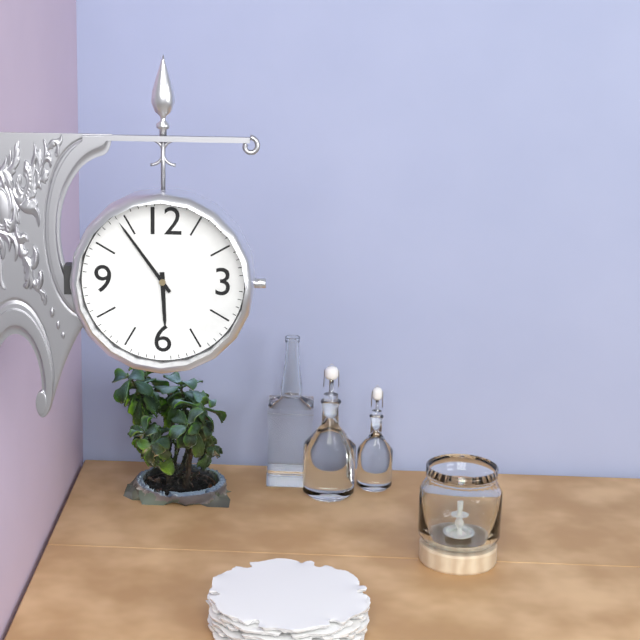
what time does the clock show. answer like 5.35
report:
5.54
